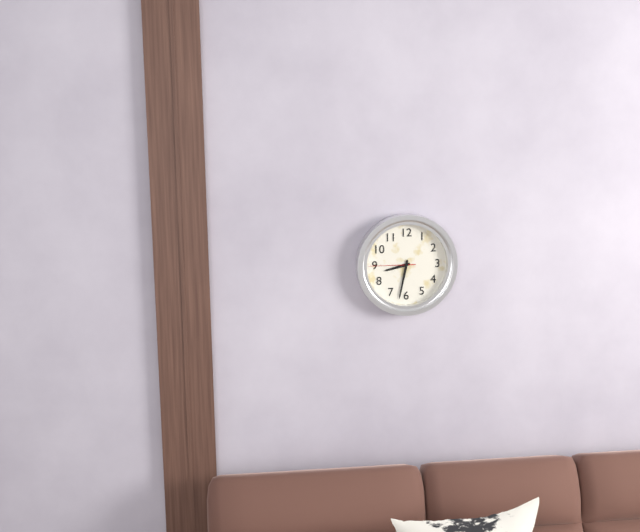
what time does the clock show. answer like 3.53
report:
8.32
